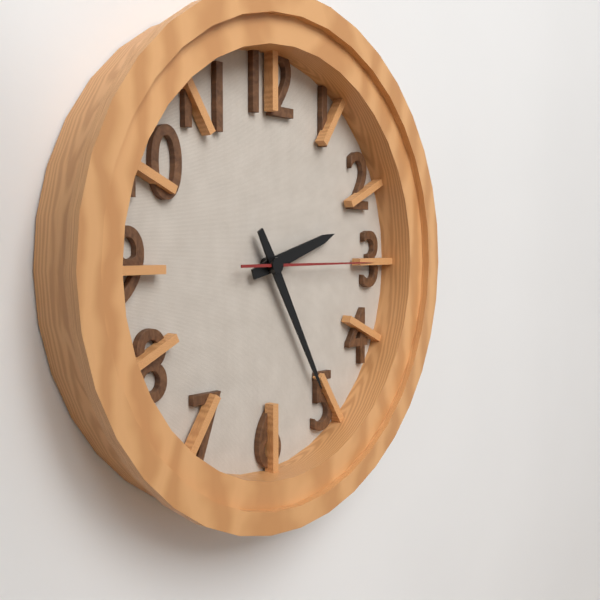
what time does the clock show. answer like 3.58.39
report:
2.25.15
